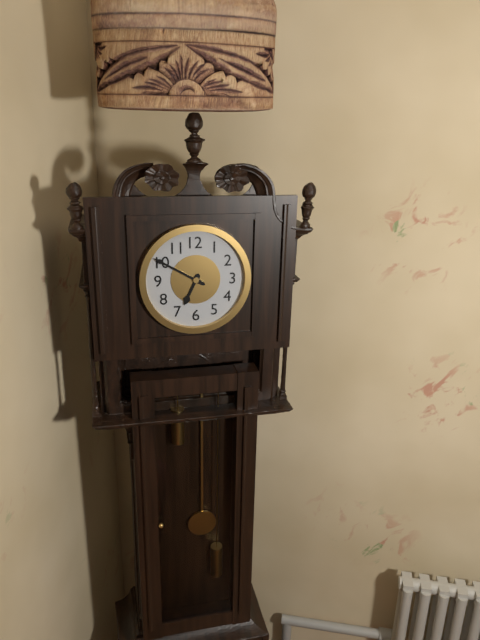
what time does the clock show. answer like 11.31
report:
6.50
